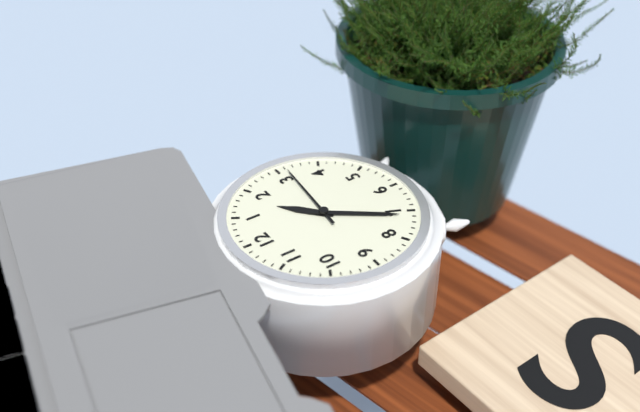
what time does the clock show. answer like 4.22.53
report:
1.36.16
